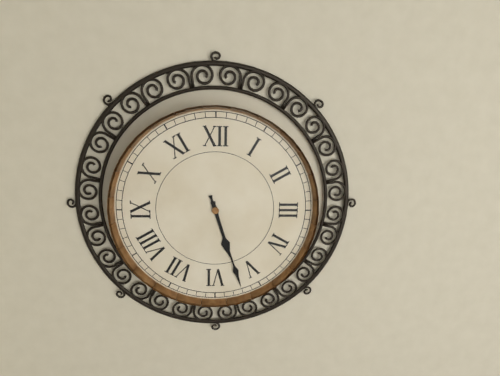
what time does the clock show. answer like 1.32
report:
5.27
